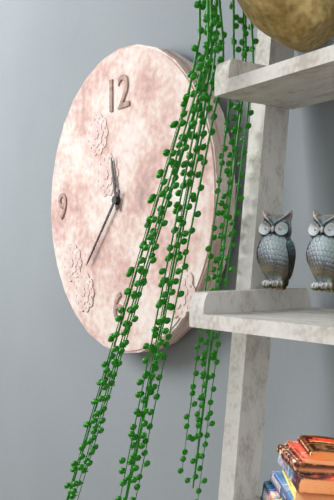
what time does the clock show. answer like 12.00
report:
11.37
